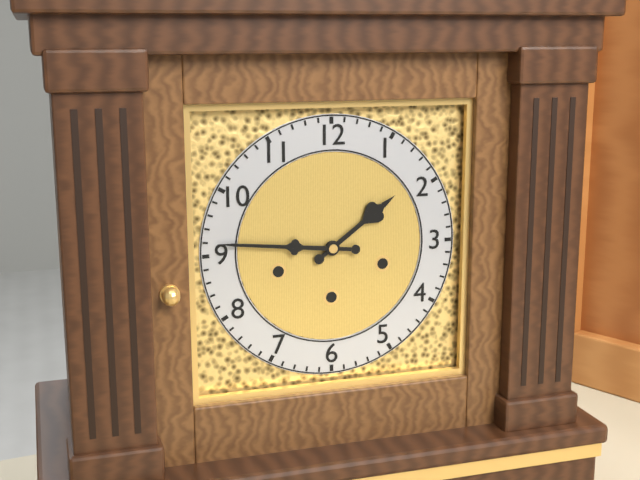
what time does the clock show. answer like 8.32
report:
1.46
